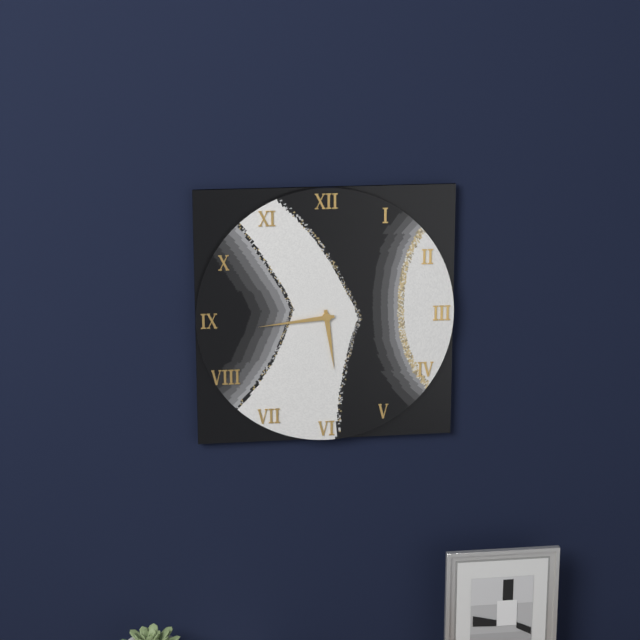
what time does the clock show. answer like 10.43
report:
5.44
